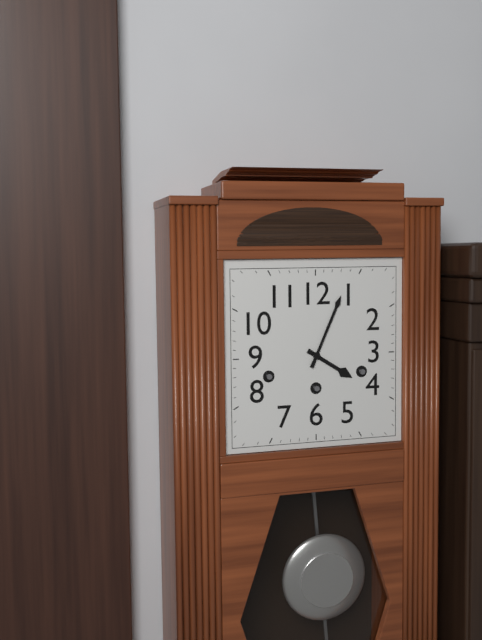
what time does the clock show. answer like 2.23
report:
4.04
